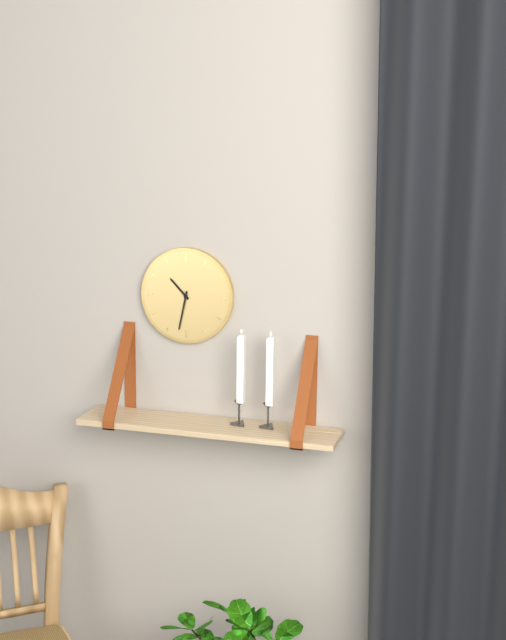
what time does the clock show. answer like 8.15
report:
10.32
